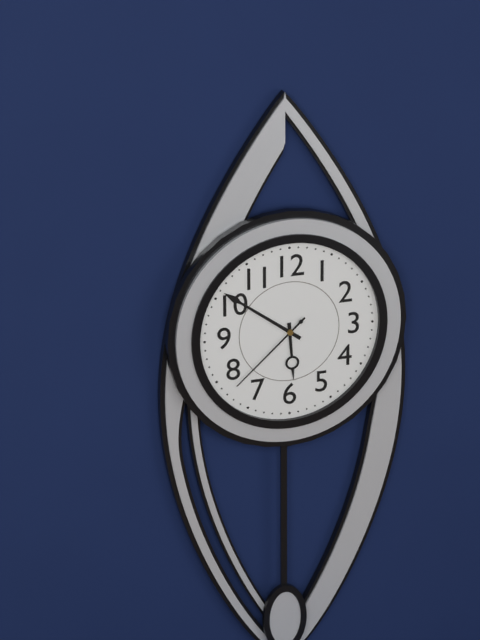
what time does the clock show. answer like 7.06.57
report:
5.51.38
